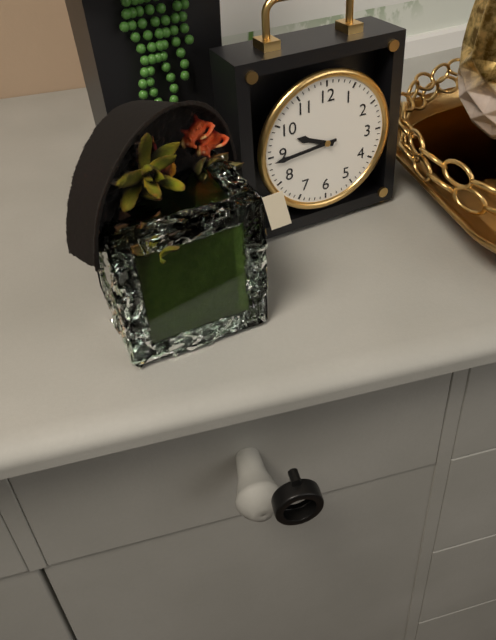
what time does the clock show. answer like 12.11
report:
9.44
